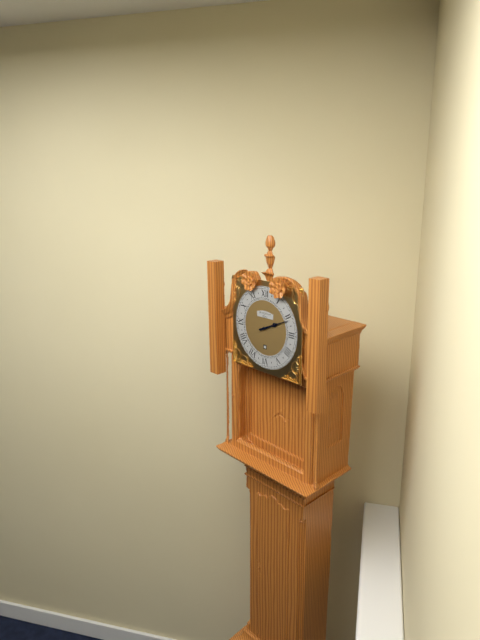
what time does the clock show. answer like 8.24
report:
2.11
